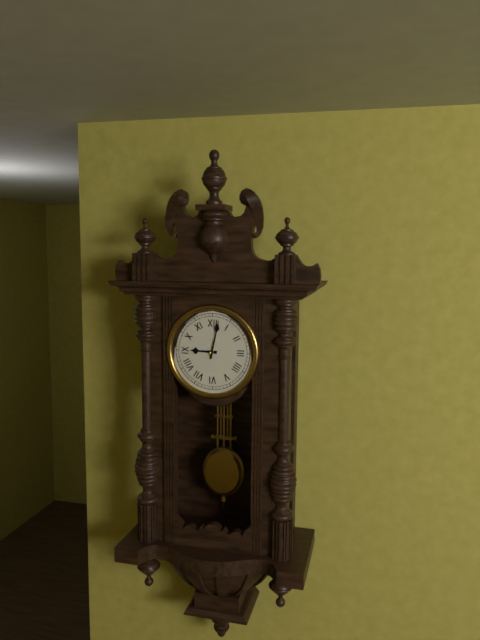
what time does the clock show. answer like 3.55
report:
9.02
